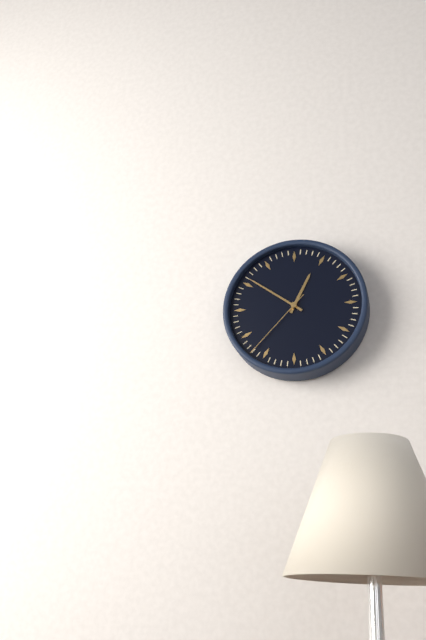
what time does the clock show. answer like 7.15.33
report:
12.51.37
